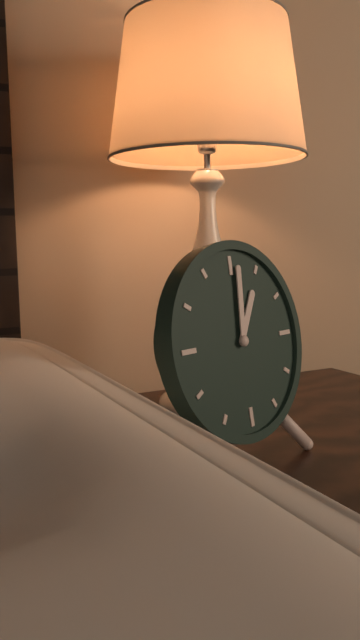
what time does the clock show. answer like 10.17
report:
1.01
